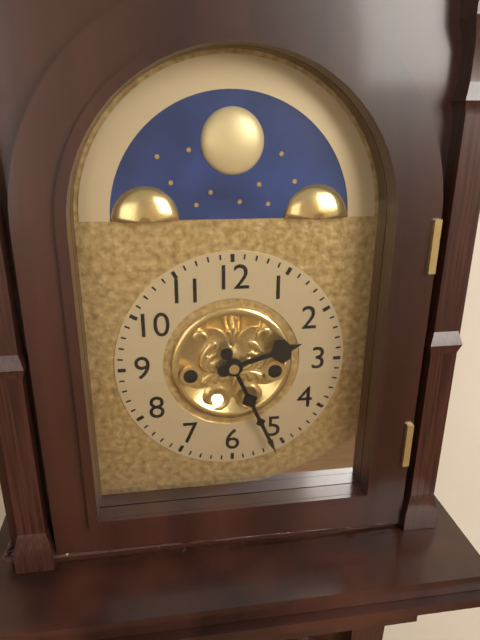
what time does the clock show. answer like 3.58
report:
2.26
